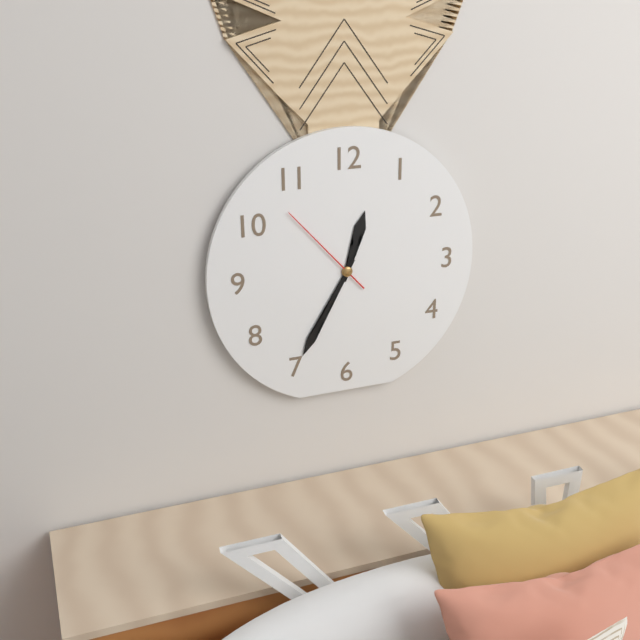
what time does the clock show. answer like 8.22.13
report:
12.35.53
